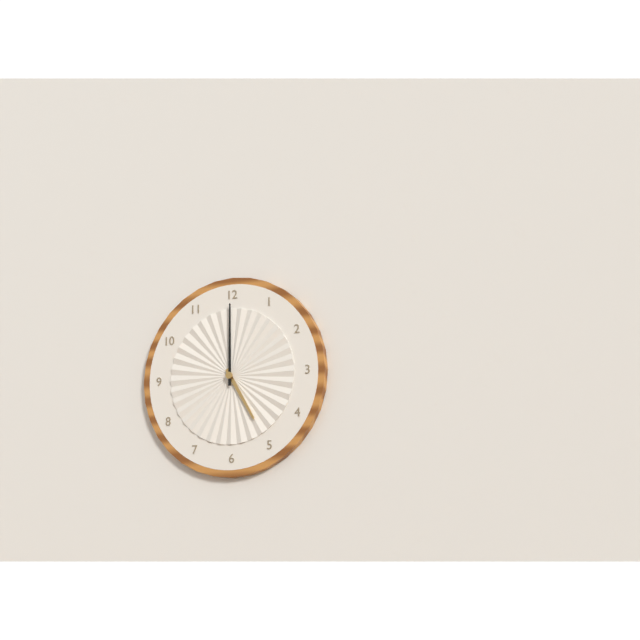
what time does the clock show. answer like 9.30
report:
5.00
